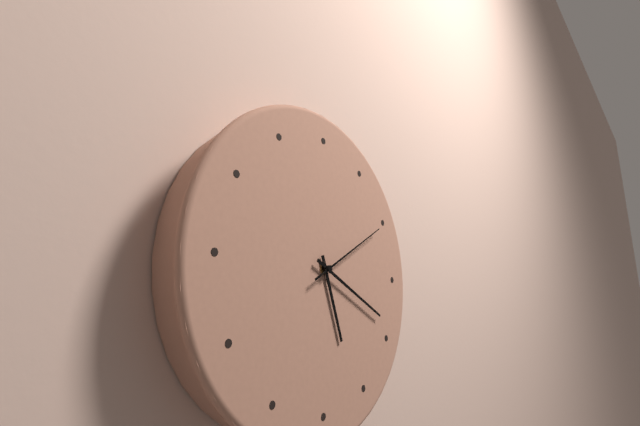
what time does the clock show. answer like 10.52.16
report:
5.19.10
